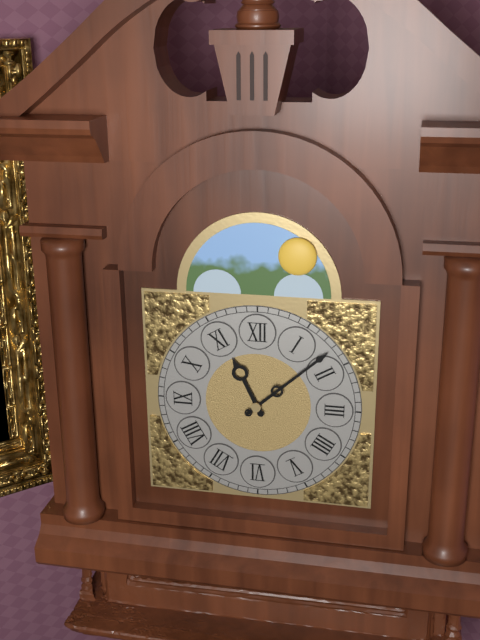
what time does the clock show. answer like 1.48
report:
11.08
